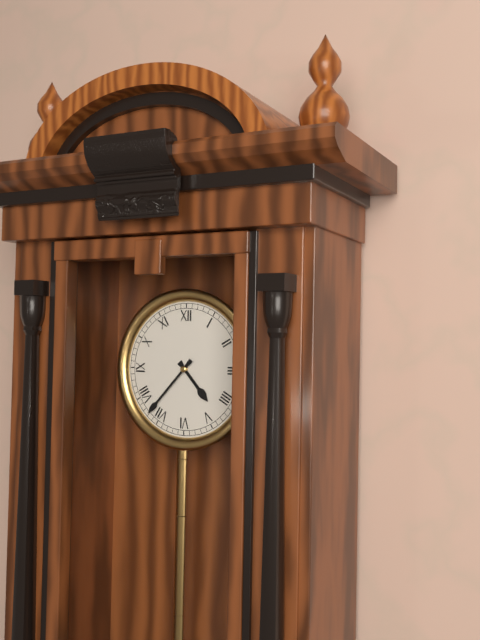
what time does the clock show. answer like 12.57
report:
4.37
